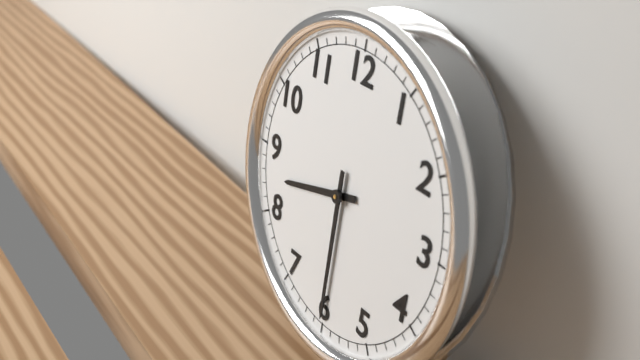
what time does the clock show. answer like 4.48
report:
8.30
